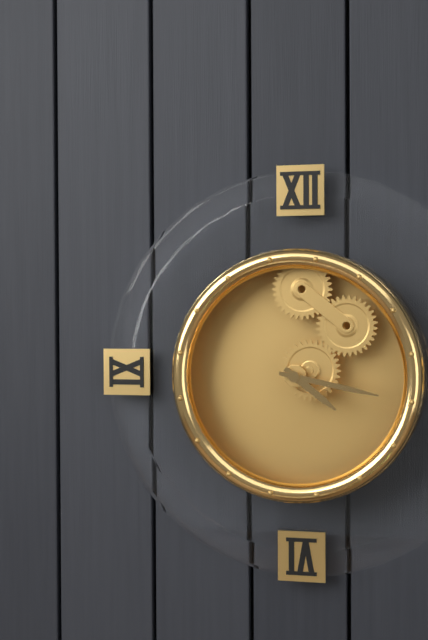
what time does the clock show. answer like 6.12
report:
4.17
